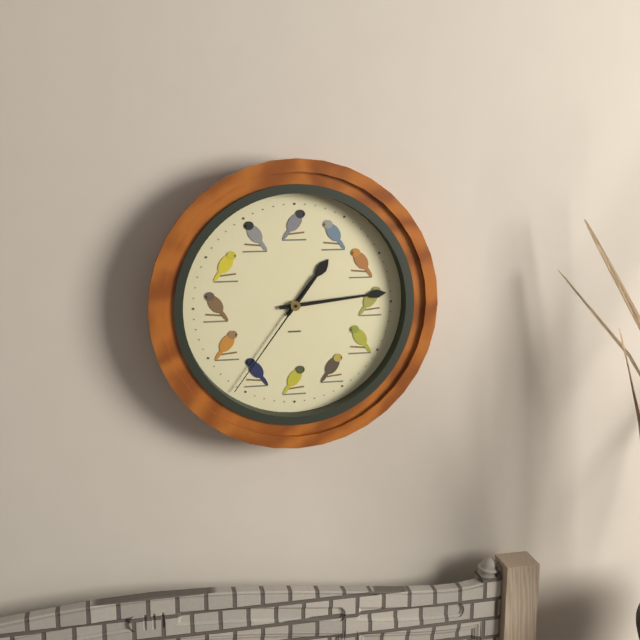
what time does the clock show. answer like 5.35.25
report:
1.14.36
